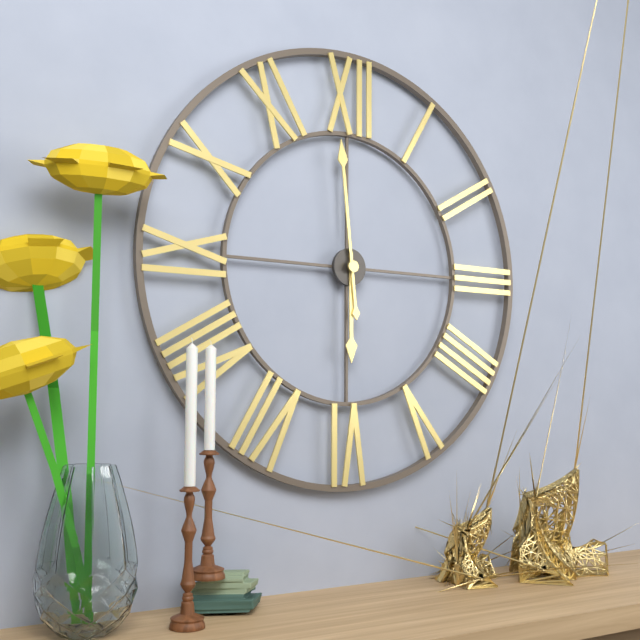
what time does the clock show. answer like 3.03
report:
5.59
